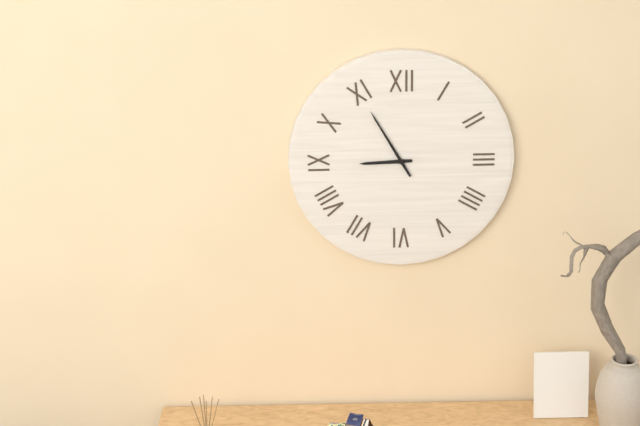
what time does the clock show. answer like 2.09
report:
8.55
